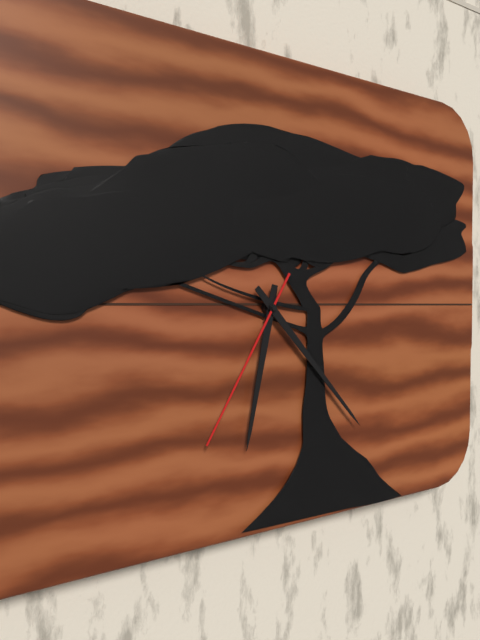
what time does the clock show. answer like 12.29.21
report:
6.23.35
